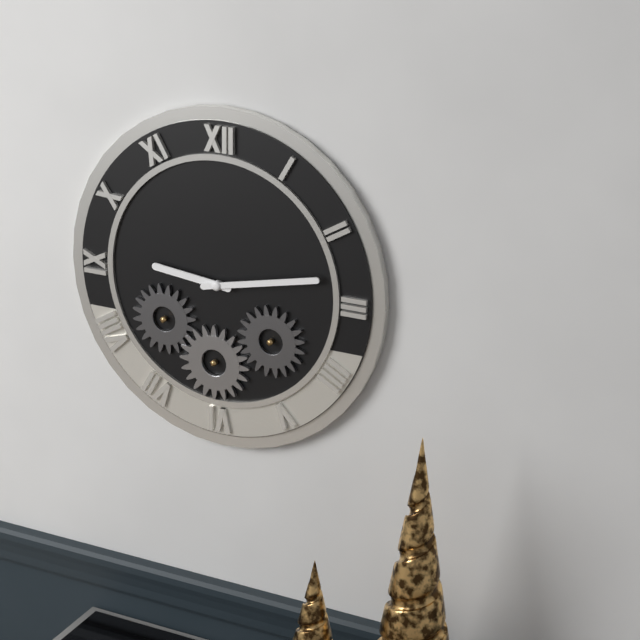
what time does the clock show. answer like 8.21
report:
9.13
